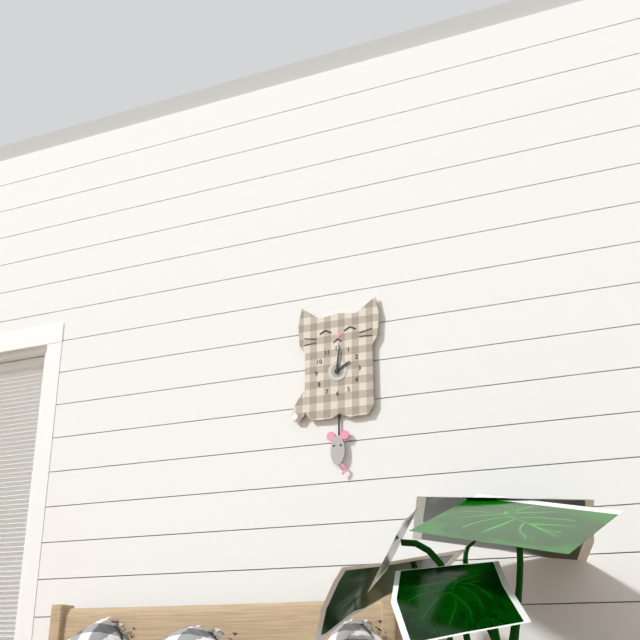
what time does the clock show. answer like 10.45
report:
2.01
